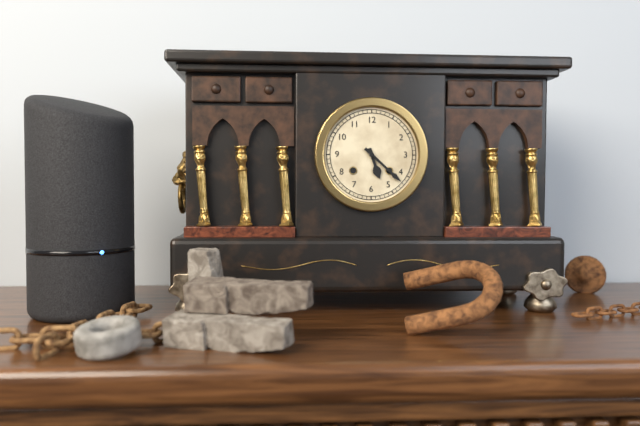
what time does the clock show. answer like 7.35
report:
5.22
